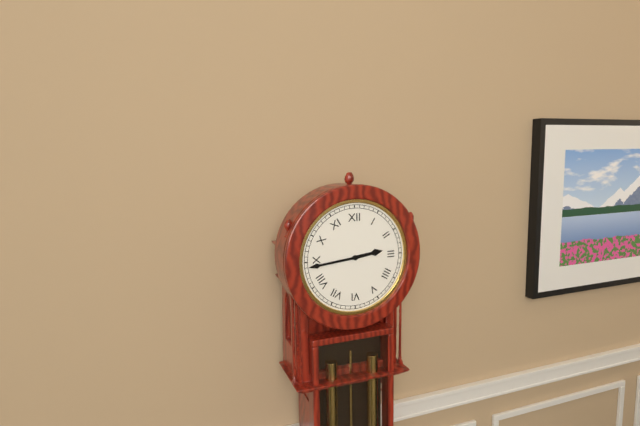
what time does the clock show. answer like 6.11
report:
2.44
